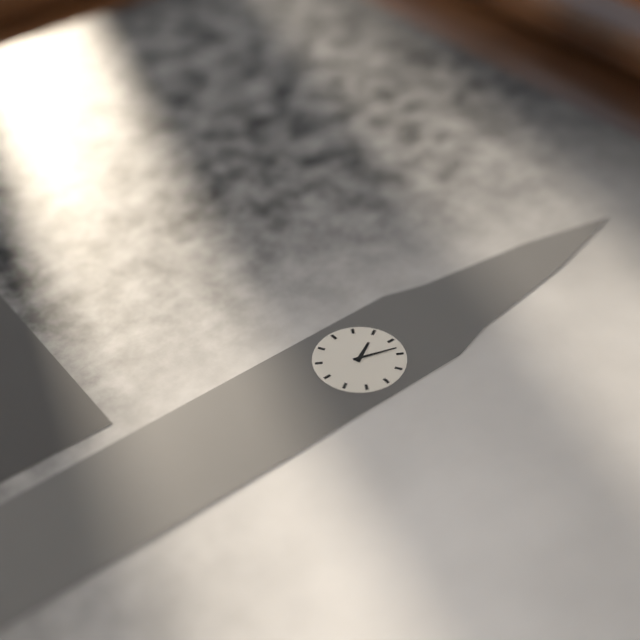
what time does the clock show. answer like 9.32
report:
11.03
